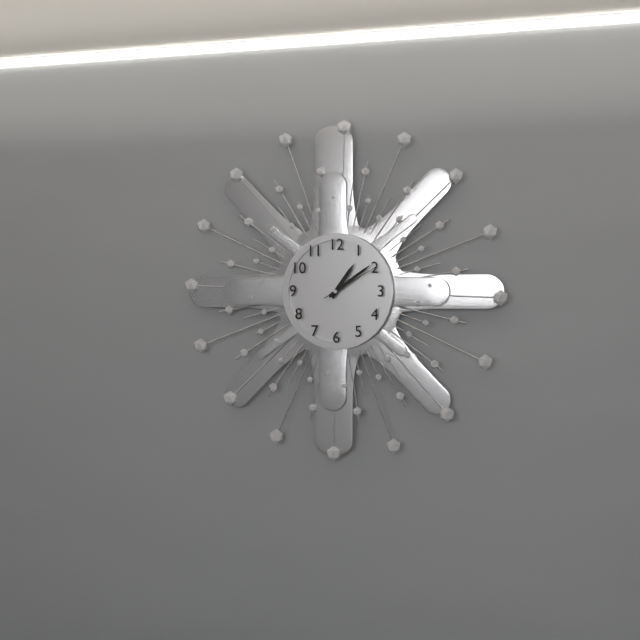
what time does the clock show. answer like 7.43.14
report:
1.09.10
